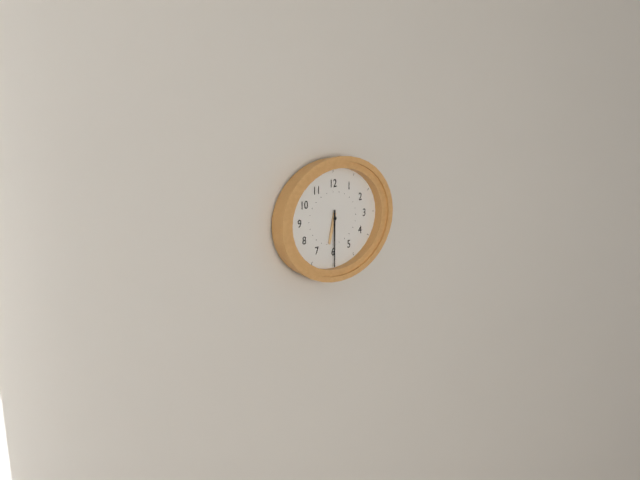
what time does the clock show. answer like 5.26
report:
6.30
